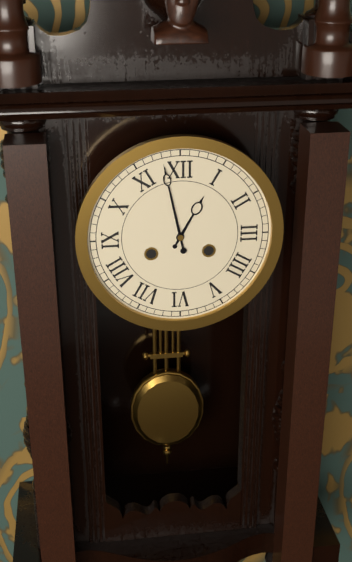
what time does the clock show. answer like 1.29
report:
12.58
